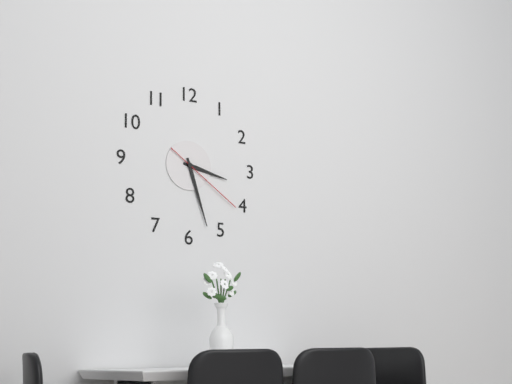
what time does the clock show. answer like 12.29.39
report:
3.27.21
